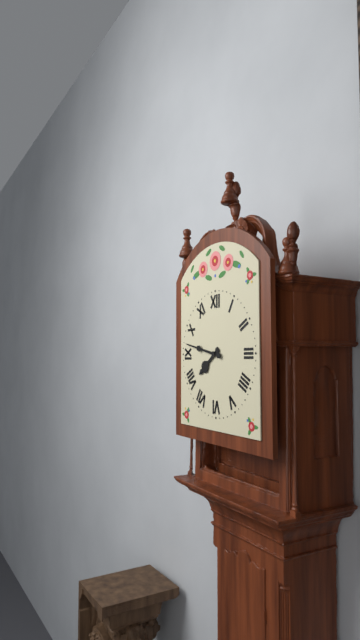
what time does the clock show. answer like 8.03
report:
7.47
